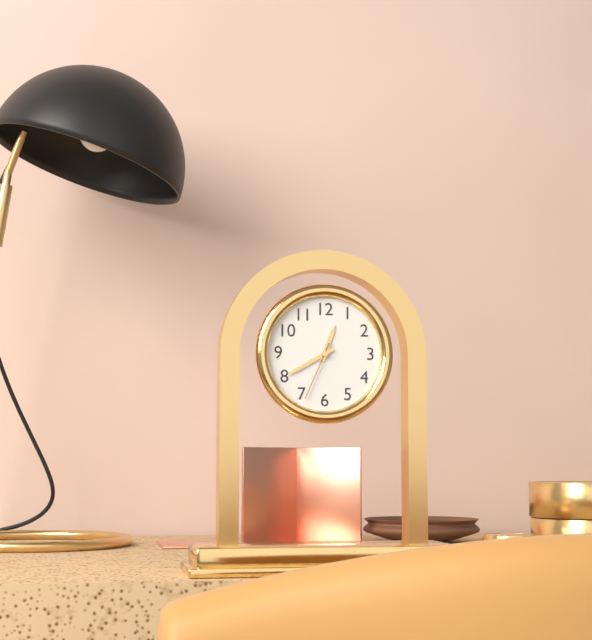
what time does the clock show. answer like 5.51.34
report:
12.40.34
